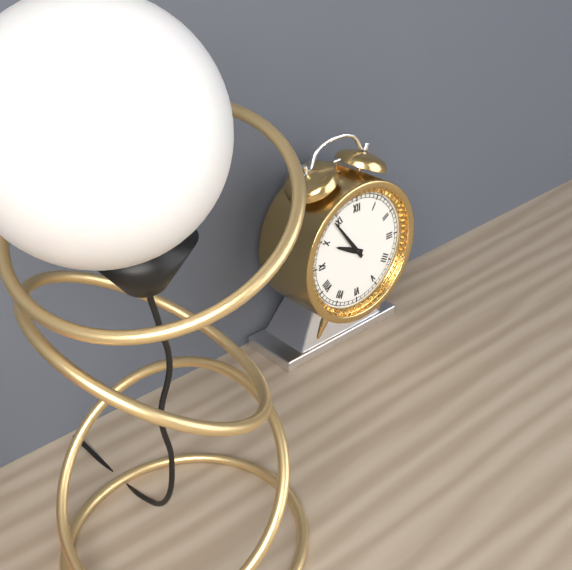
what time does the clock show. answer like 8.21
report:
9.54
